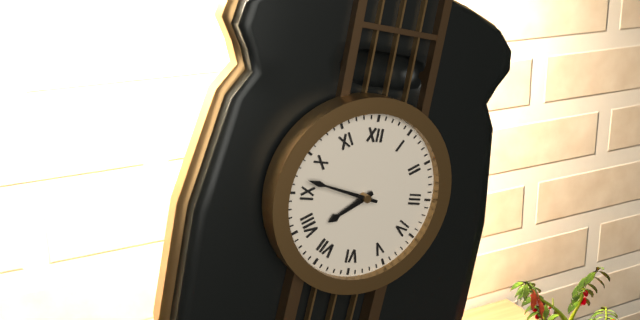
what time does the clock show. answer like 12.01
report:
7.47
